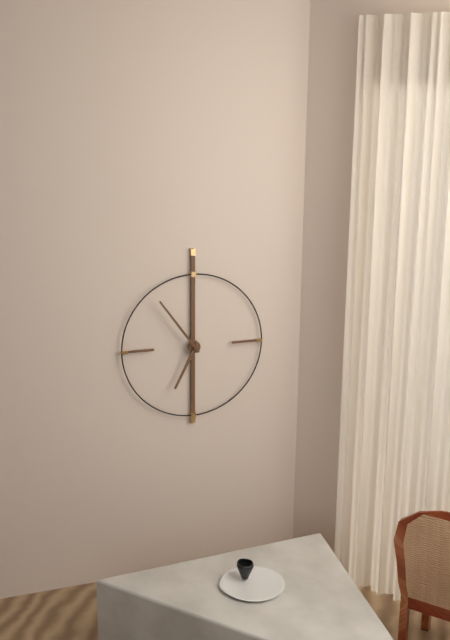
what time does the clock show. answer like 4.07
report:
6.54
